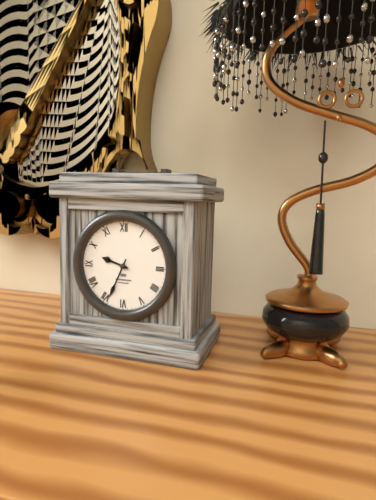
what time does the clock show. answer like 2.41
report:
9.34
